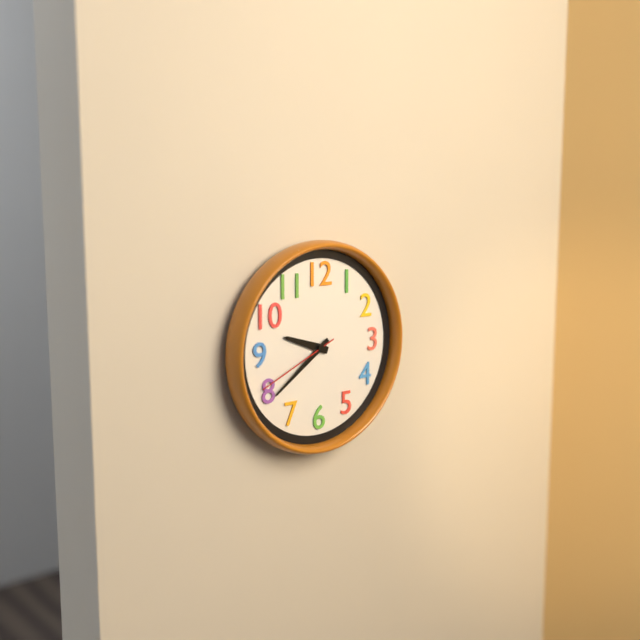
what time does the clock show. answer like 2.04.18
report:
9.39.41
